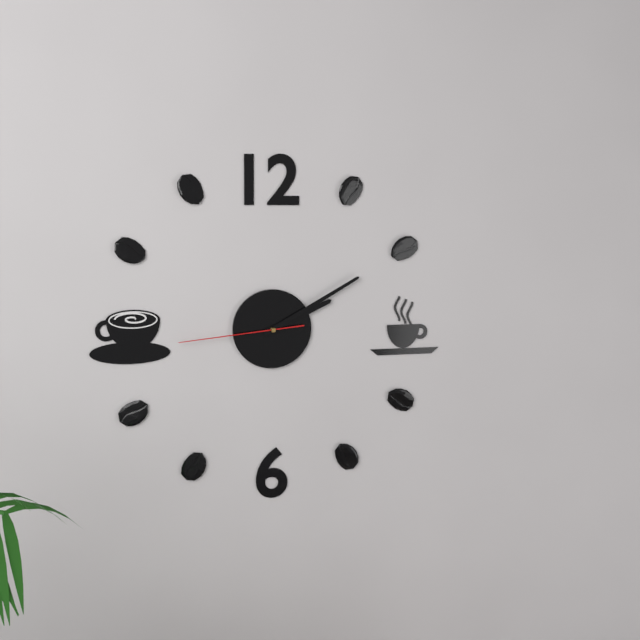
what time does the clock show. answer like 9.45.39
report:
2.10.44
